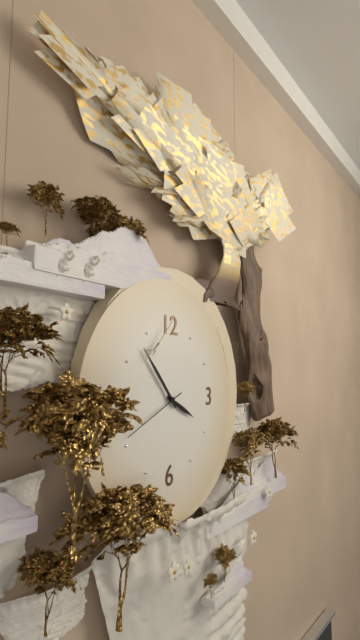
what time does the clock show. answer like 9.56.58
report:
3.53.41
